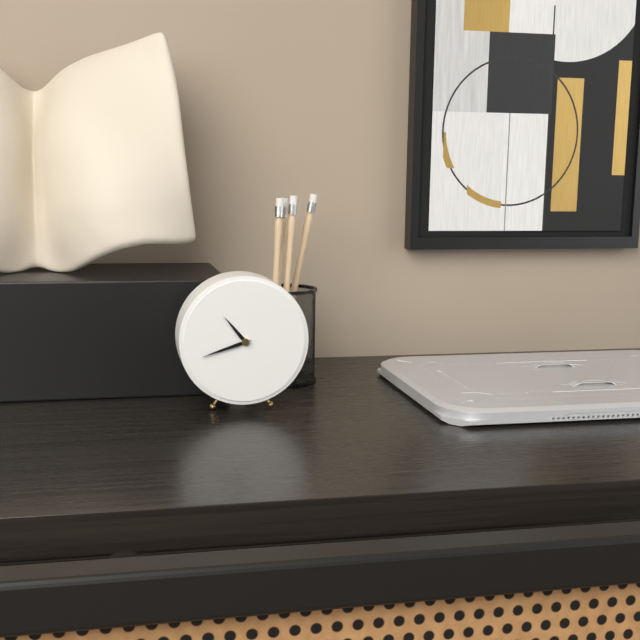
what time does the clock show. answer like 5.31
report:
10.42
